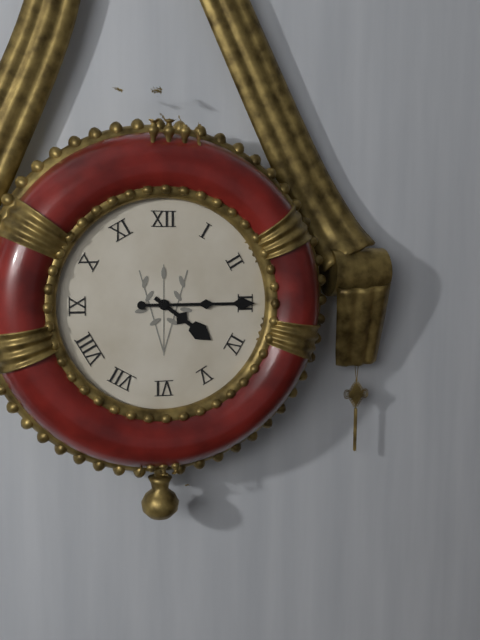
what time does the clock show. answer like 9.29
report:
4.15
